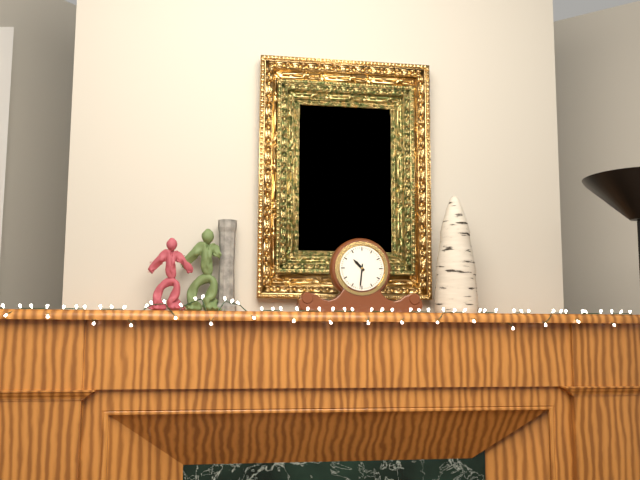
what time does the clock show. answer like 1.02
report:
10.31
